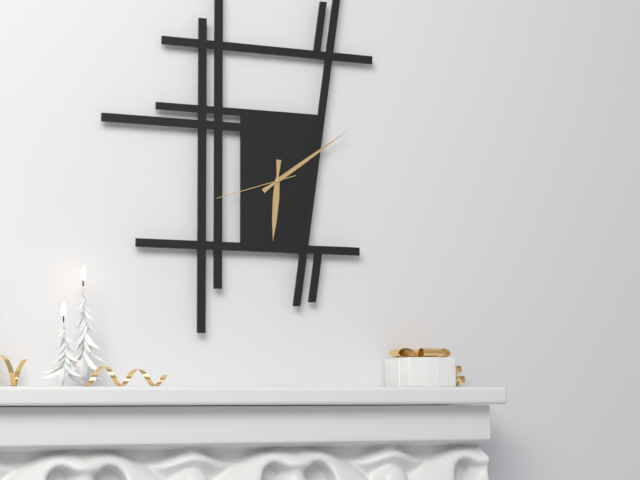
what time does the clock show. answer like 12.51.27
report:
6.09.42
